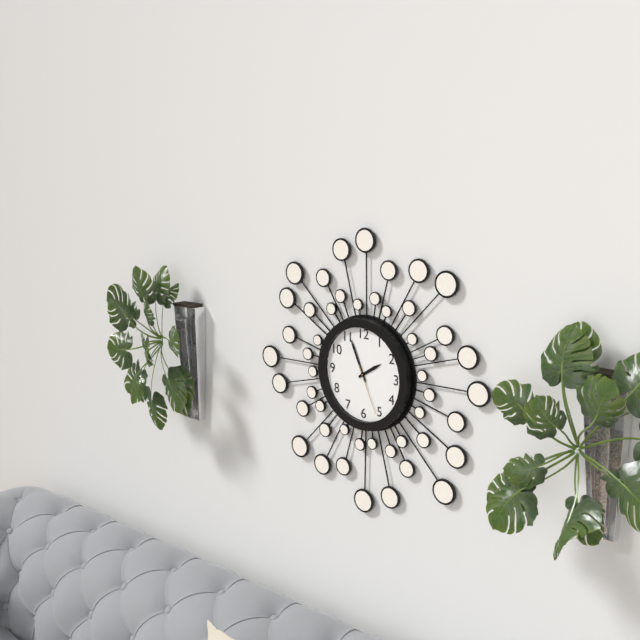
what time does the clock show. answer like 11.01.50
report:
1.56.26
